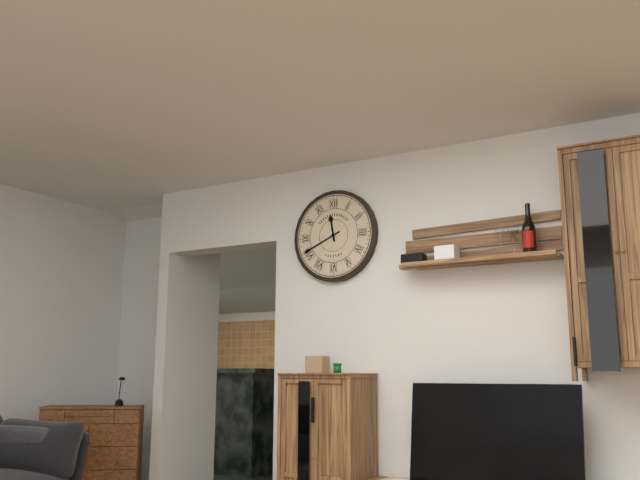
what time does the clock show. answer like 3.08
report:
11.41
